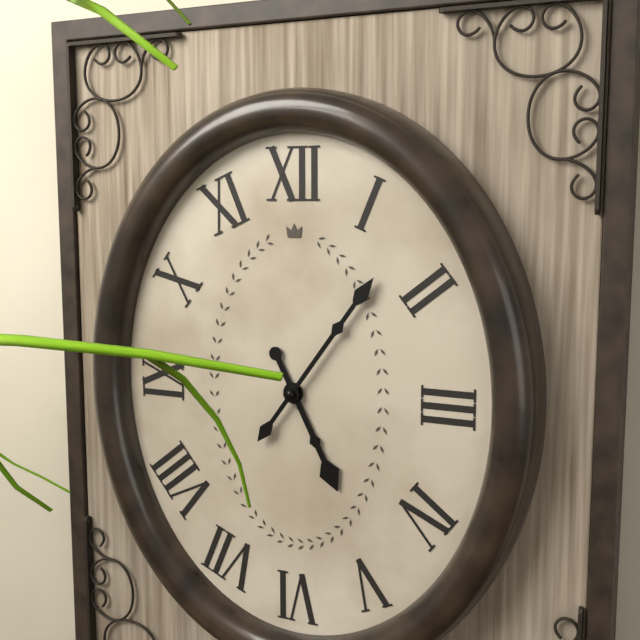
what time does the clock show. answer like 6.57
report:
5.06
